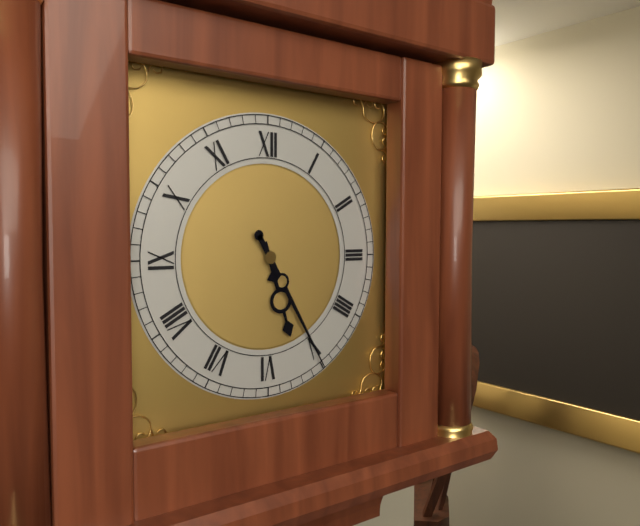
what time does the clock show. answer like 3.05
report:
5.25
